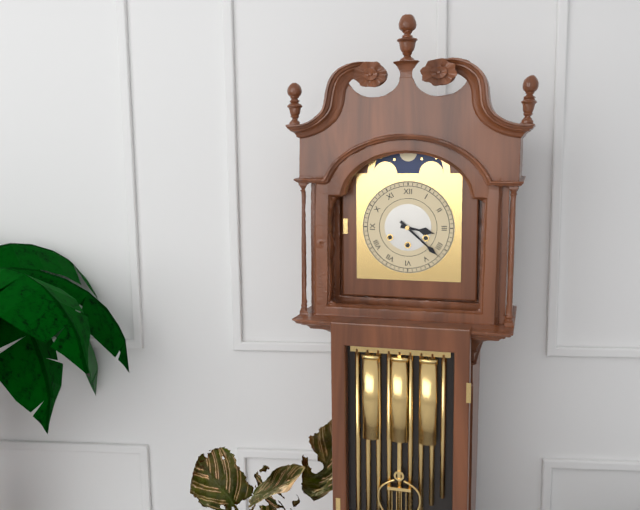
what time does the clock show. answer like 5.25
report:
3.22
